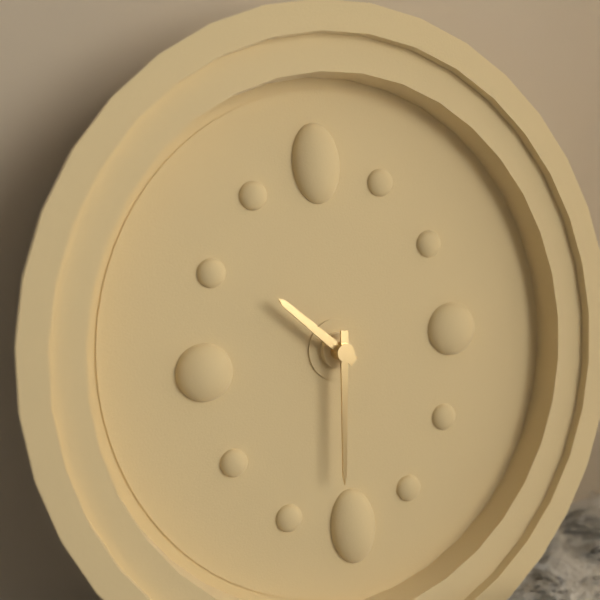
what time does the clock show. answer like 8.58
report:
10.31
